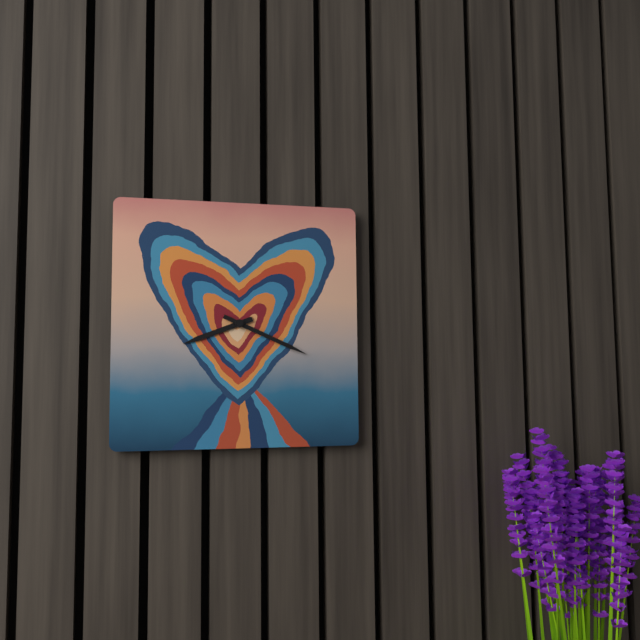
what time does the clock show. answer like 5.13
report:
8.19
